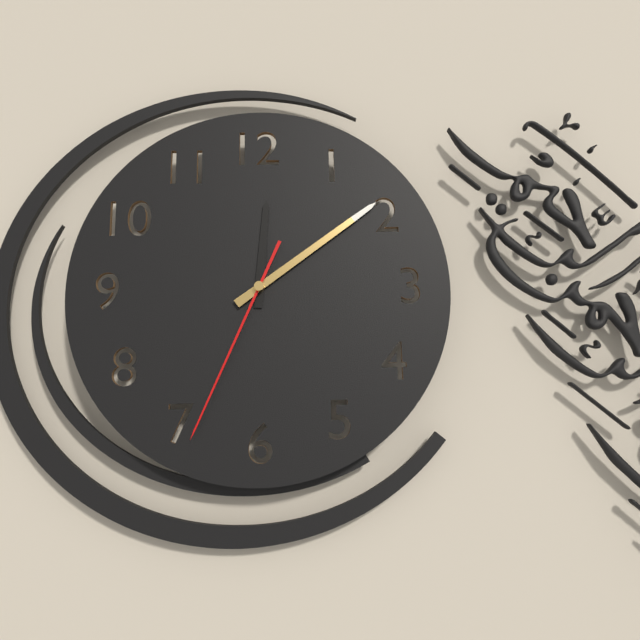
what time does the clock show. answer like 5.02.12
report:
12.09.34
